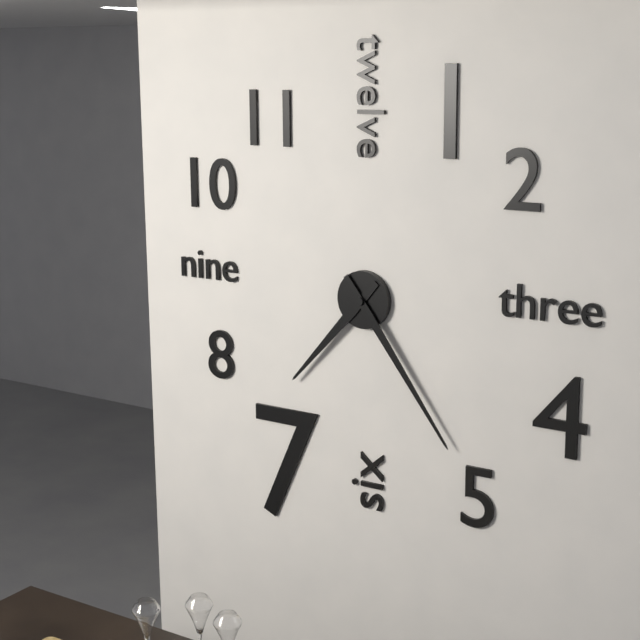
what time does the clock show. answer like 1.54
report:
7.24
